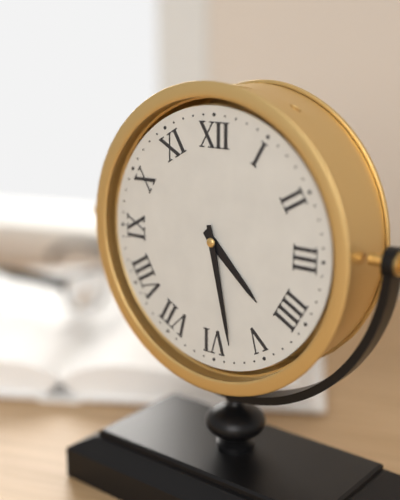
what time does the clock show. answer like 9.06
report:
4.28
